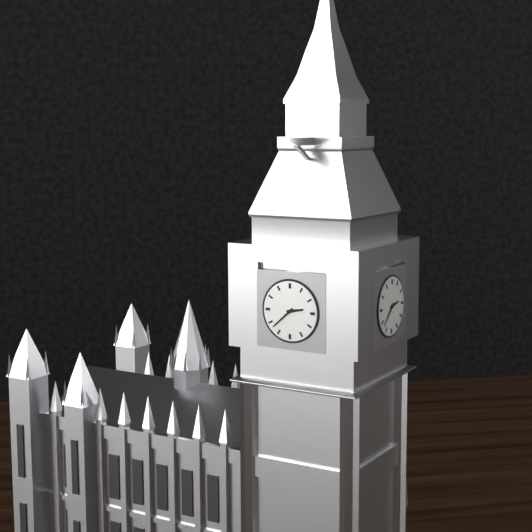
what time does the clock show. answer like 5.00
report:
2.38
